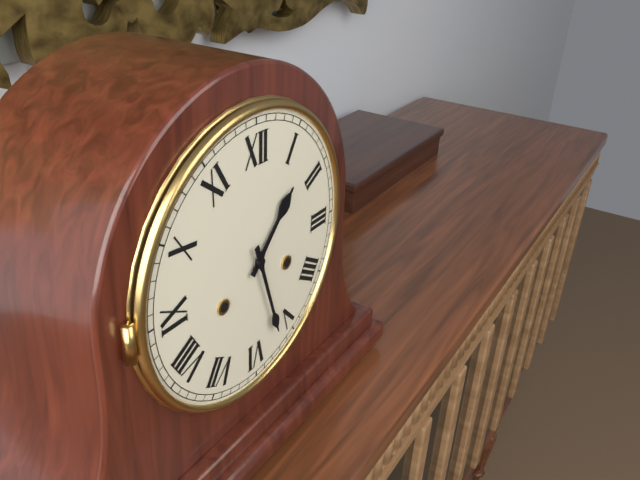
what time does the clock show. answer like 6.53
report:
1.27
